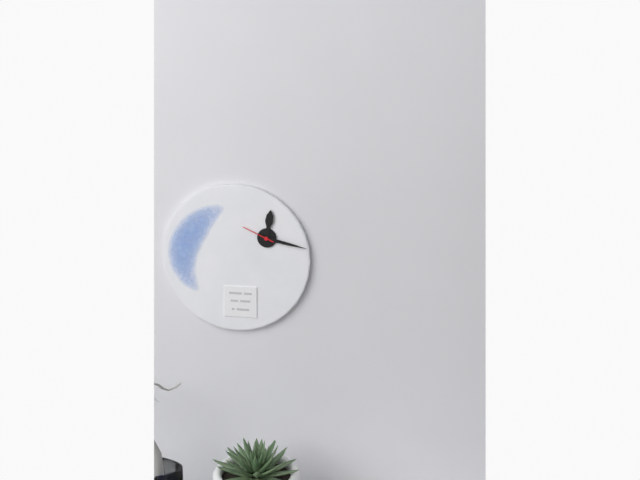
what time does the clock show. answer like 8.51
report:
12.17
